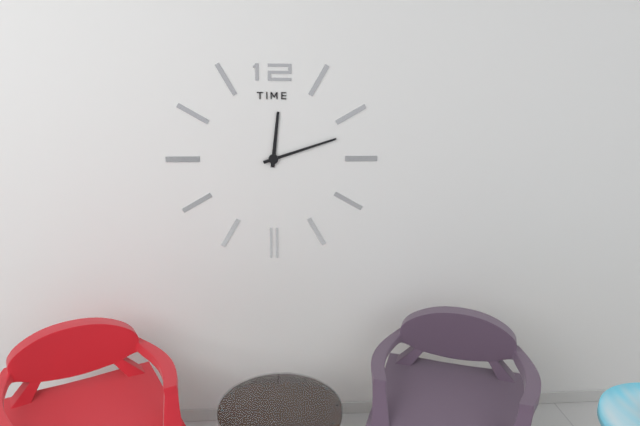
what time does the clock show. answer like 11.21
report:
12.12
